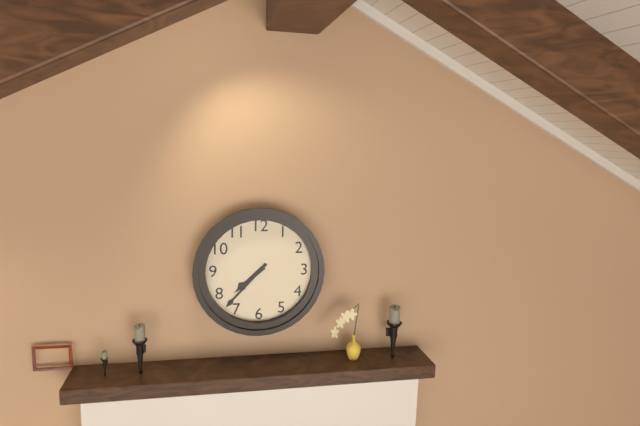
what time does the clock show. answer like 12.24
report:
7.37
